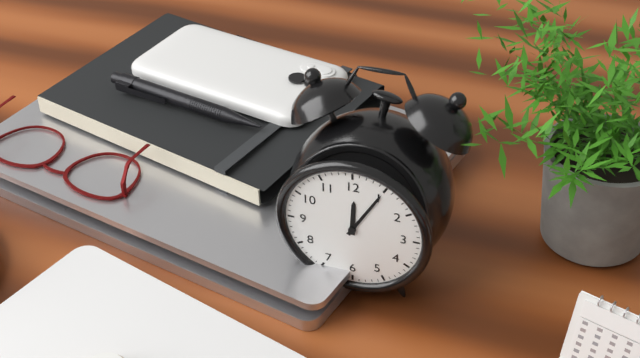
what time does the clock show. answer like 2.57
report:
12.05
